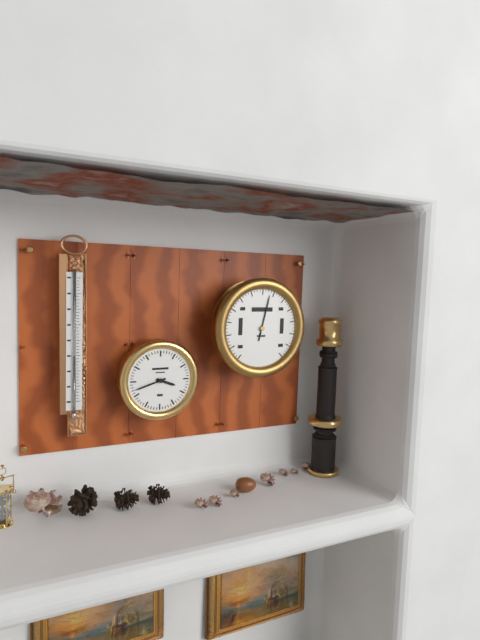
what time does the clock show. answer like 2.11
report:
3.42
